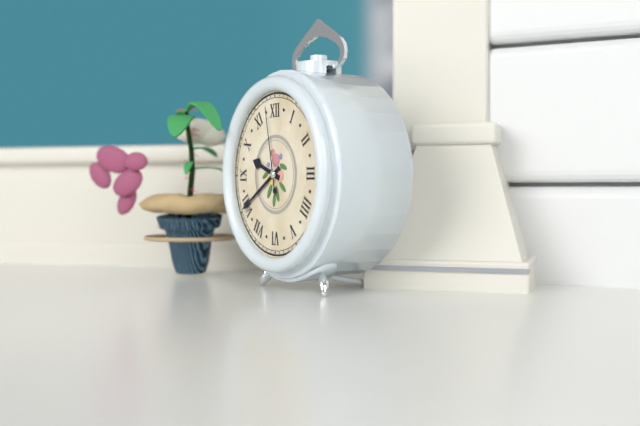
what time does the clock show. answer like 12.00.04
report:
9.40.58
